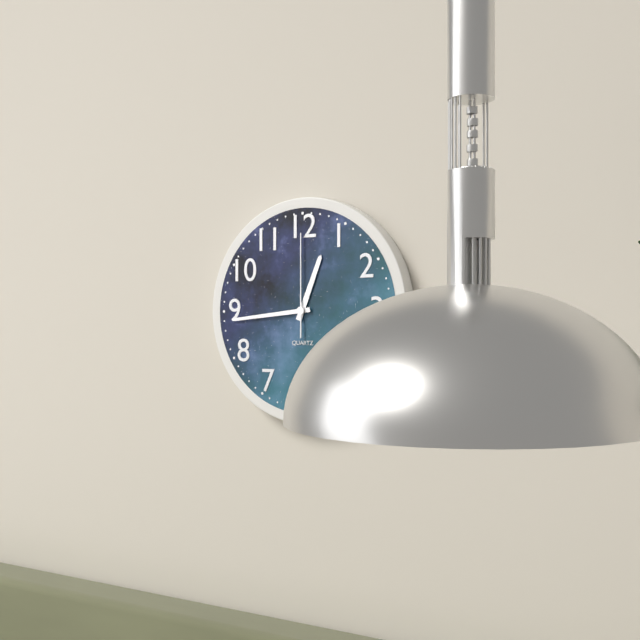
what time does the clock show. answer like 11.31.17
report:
12.44.00
